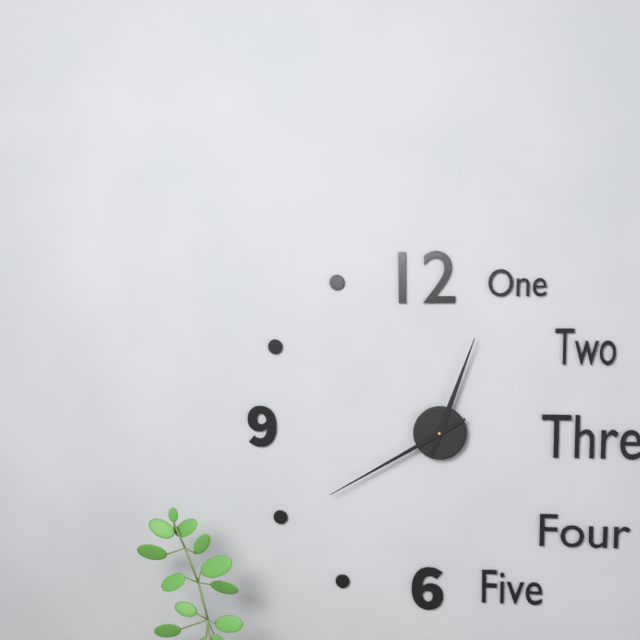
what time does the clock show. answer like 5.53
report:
12.40
